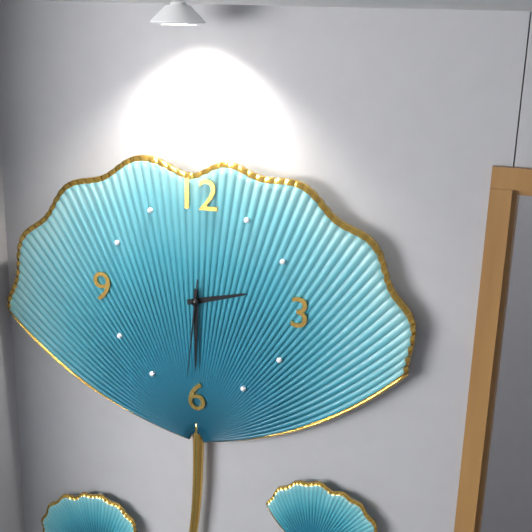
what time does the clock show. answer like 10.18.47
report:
2.30.31
